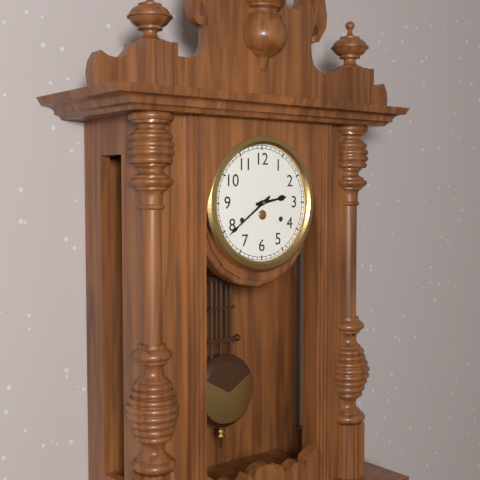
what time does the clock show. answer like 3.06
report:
2.39
